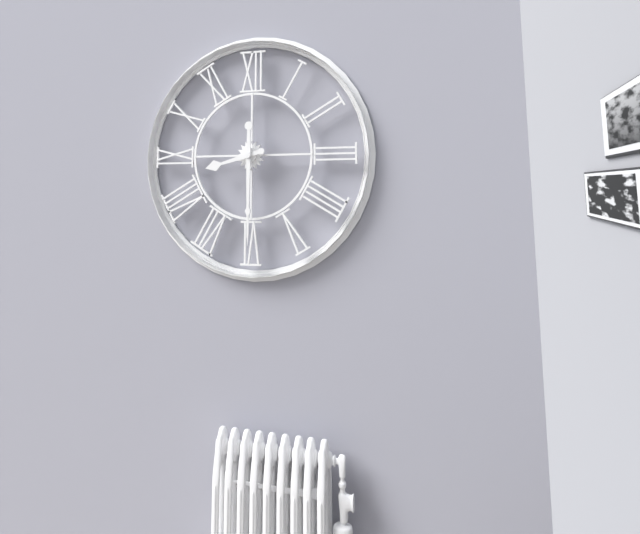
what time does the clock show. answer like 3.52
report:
8.30
